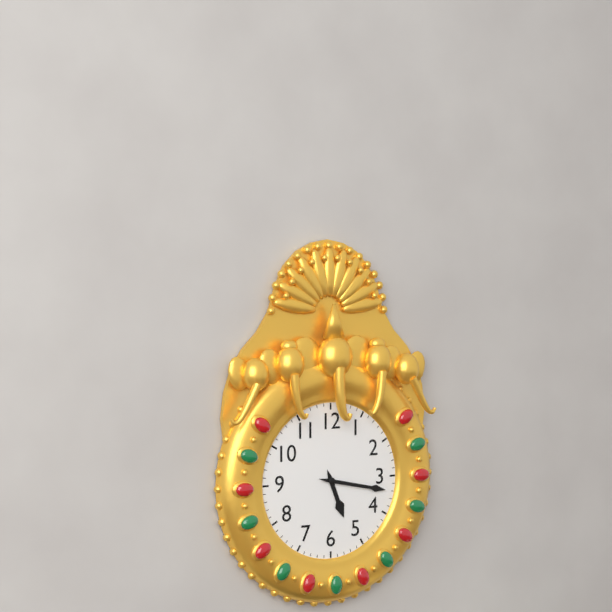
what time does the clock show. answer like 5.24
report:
5.17
